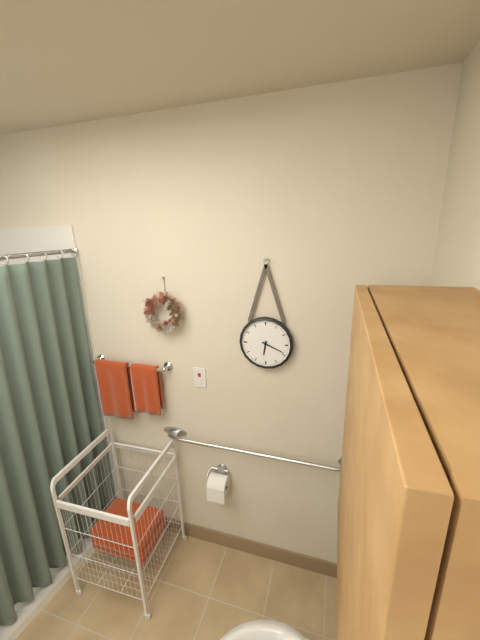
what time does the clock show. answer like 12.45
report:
6.19
